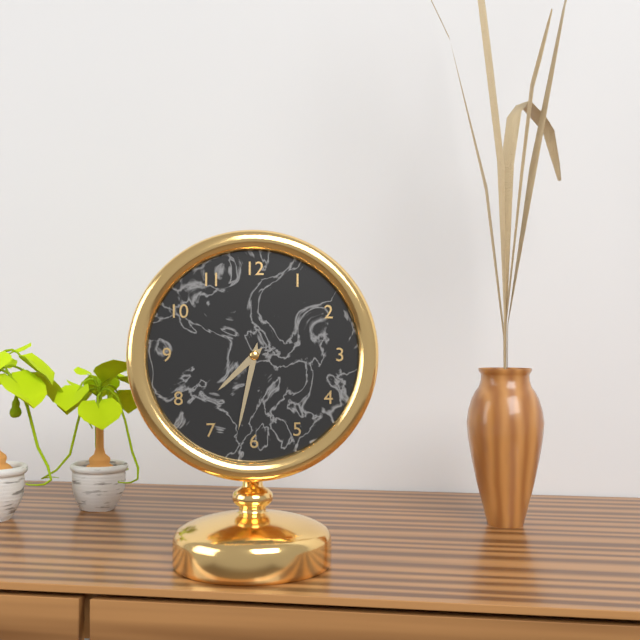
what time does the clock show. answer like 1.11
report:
7.32
